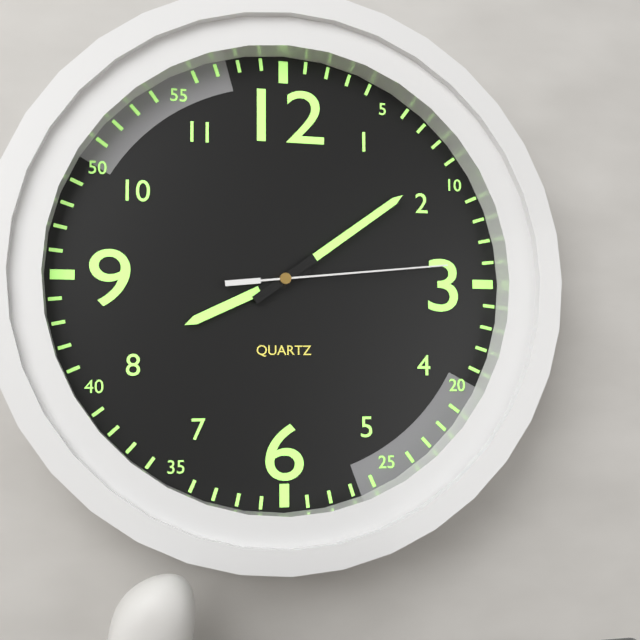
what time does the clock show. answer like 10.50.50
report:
8.09.14
